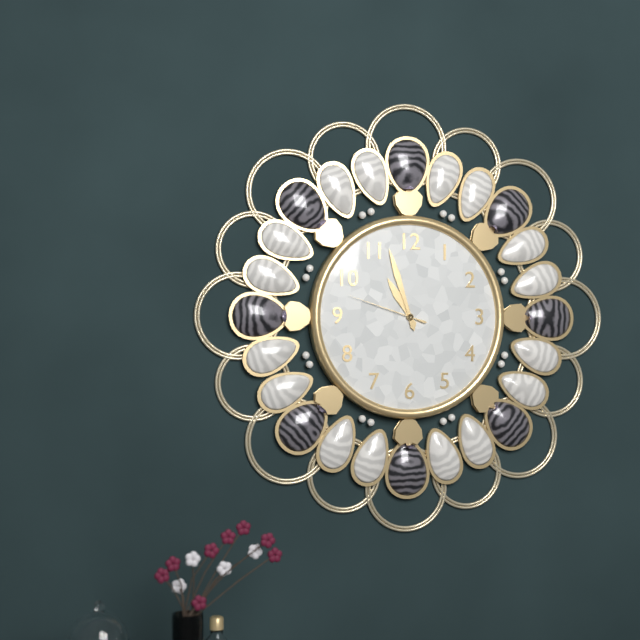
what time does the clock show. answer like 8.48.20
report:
10.57.48
